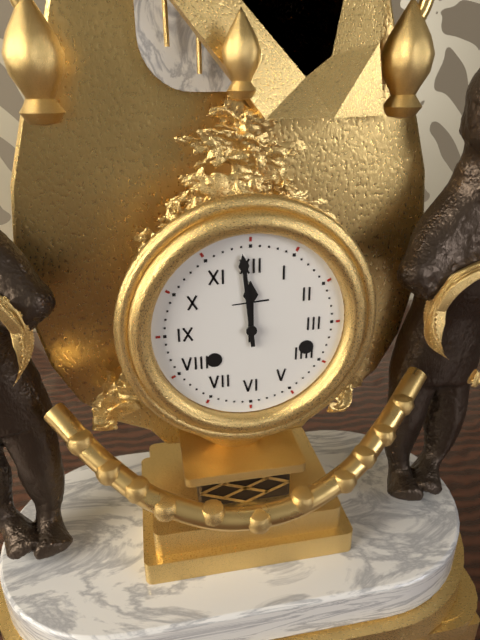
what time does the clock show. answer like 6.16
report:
11.59
